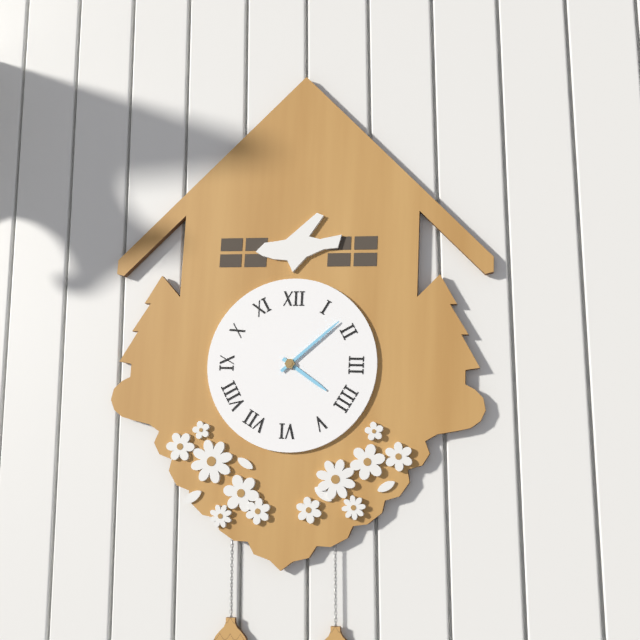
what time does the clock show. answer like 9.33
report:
4.08
